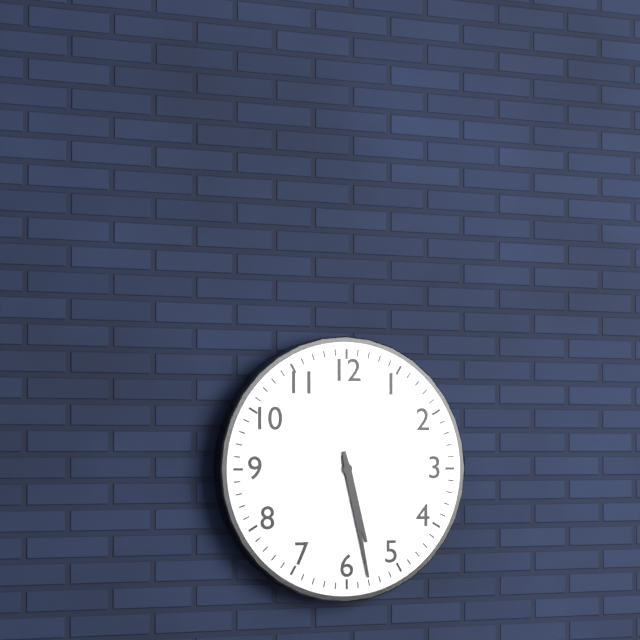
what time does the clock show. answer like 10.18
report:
5.28
